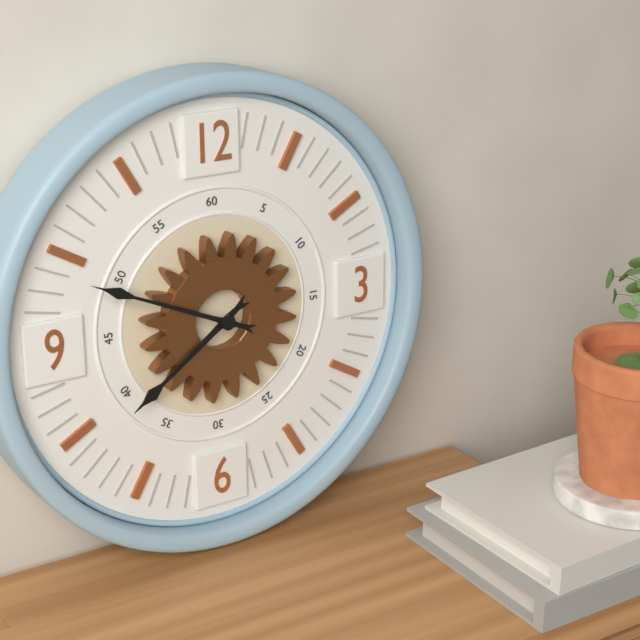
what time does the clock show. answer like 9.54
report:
7.49
